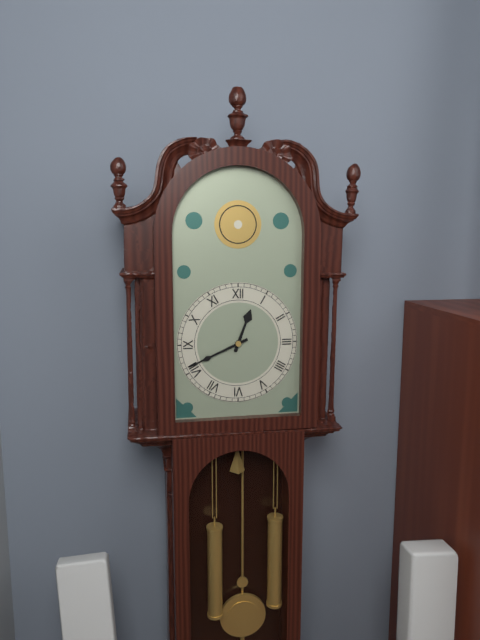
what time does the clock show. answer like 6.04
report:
12.41
